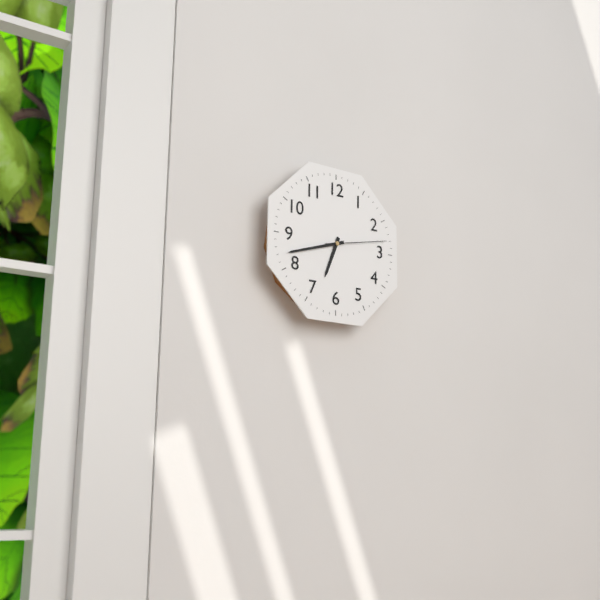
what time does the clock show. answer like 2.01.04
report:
6.42.13
